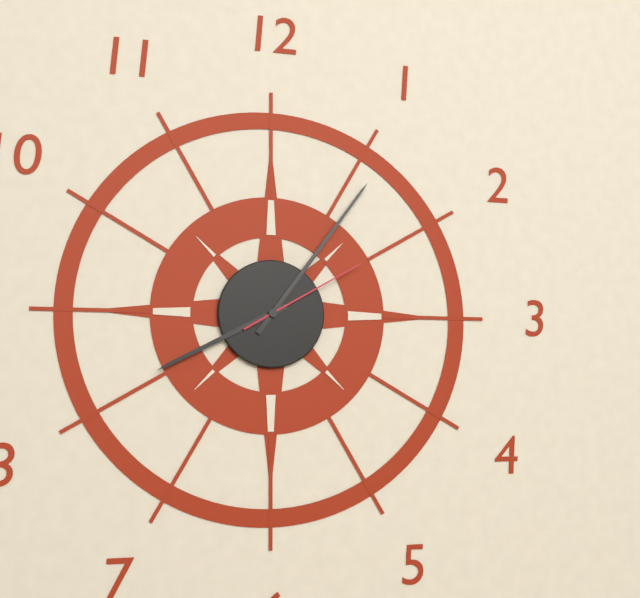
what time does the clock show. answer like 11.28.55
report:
8.06.10
